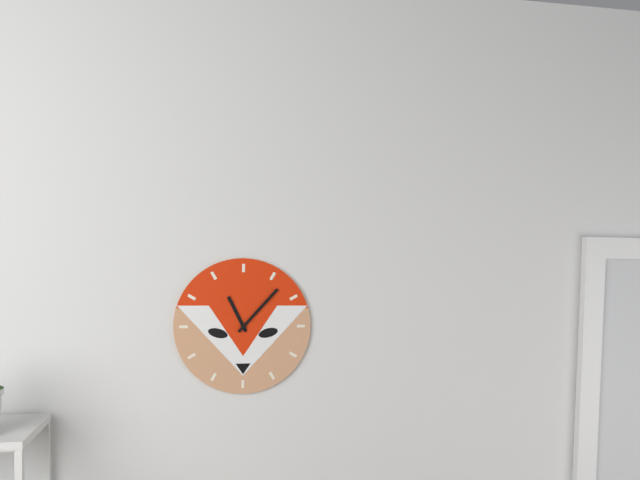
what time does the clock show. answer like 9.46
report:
11.07
